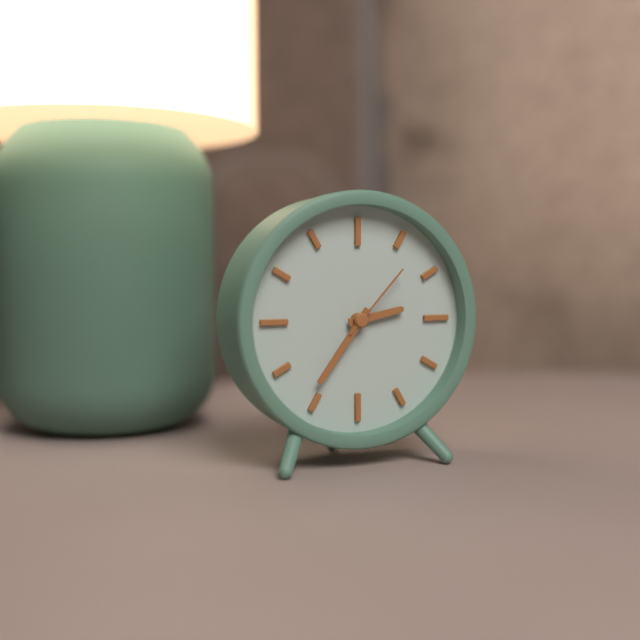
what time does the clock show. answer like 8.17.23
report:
2.36.07
